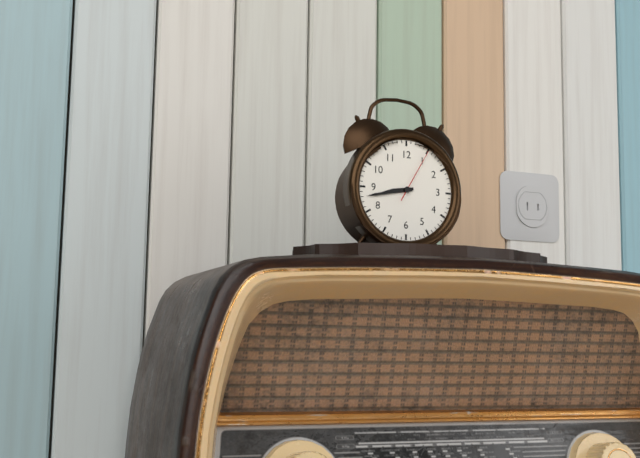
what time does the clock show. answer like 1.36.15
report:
8.43.05
